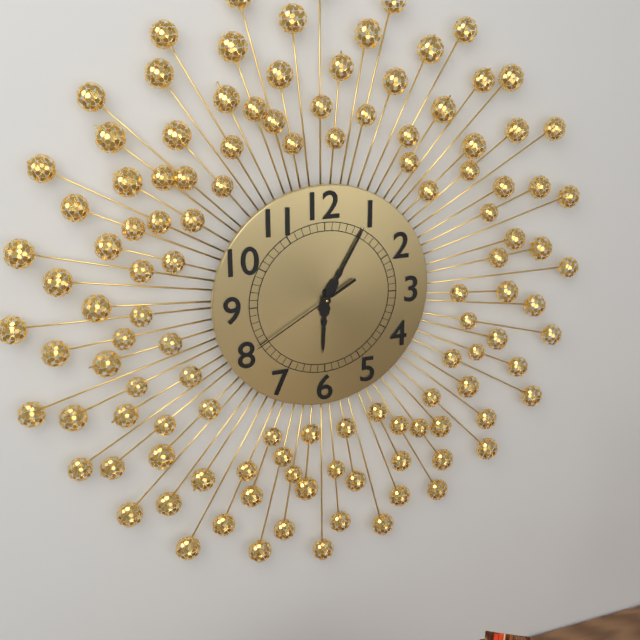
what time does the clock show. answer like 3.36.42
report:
6.05.40
